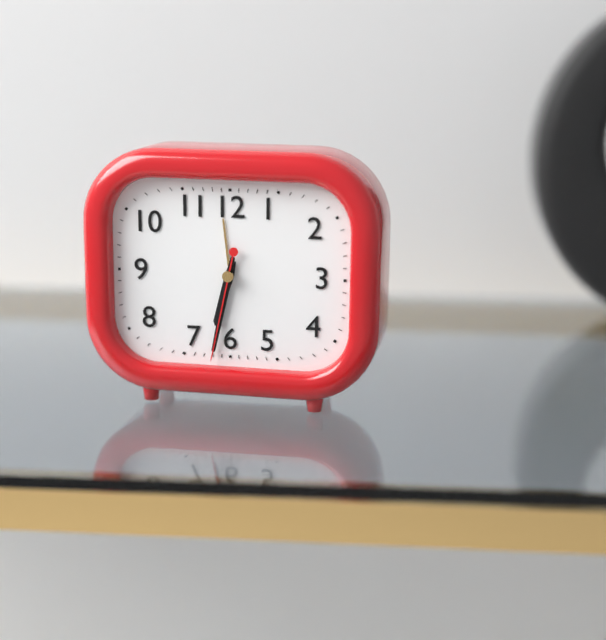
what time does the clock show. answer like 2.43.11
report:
6.32.32
